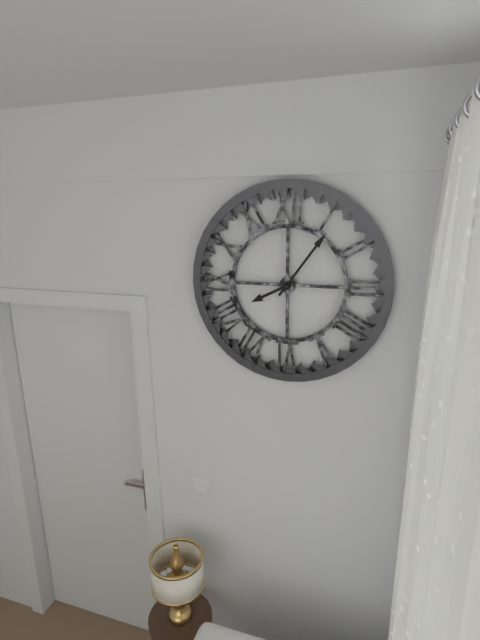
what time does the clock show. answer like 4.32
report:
8.06
